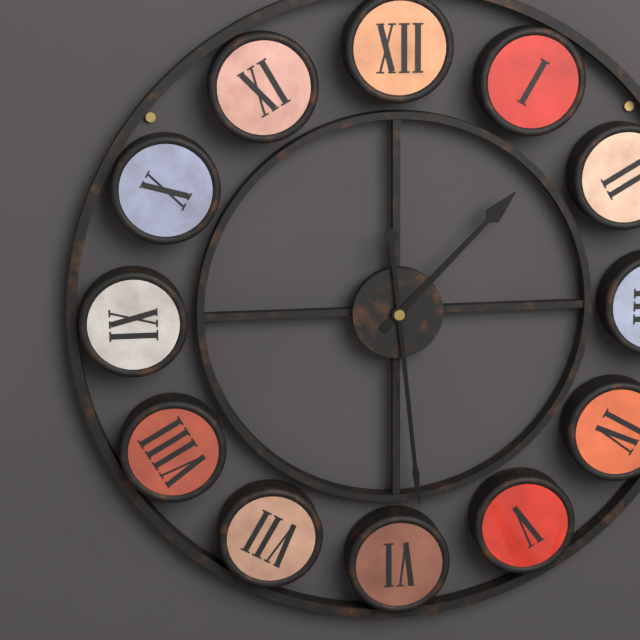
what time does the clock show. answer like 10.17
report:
1.29
